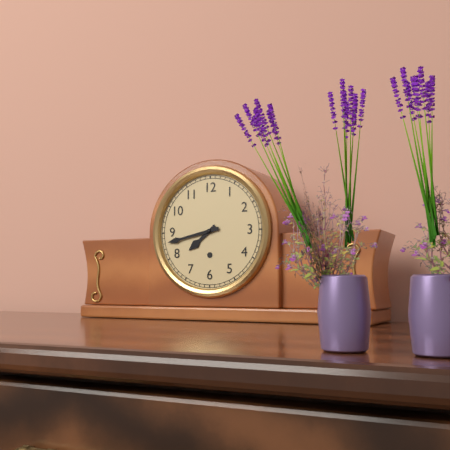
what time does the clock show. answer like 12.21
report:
7.43
